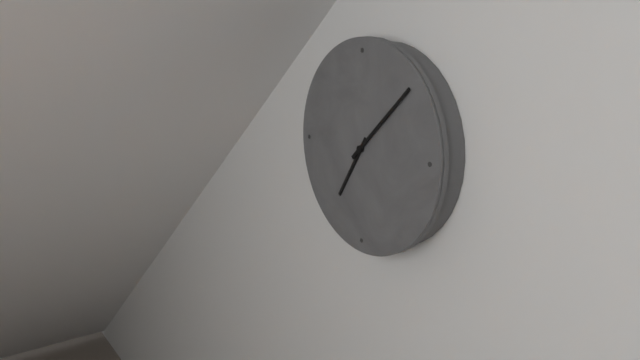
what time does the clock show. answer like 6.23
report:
7.08
